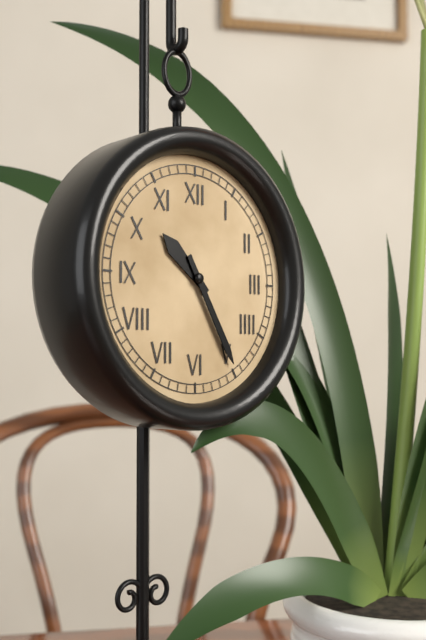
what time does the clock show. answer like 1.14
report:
10.25
